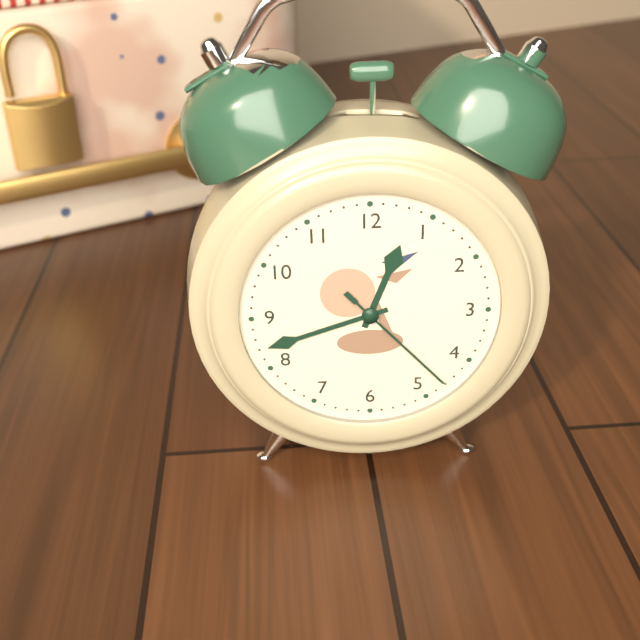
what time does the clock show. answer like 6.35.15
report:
12.42.23
